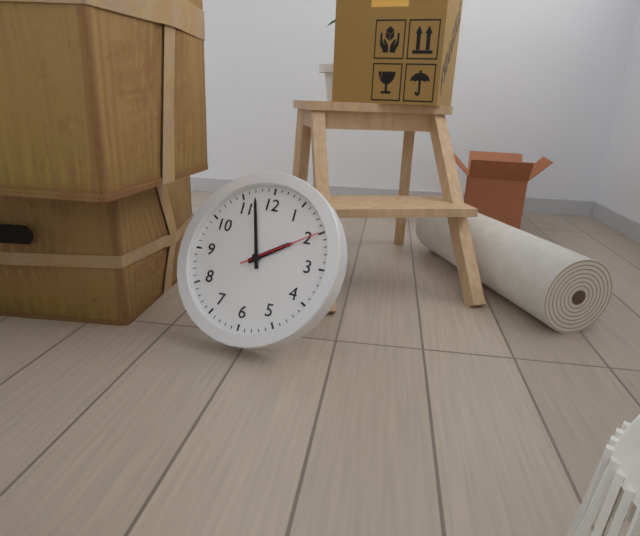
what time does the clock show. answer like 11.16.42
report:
1.57.10
